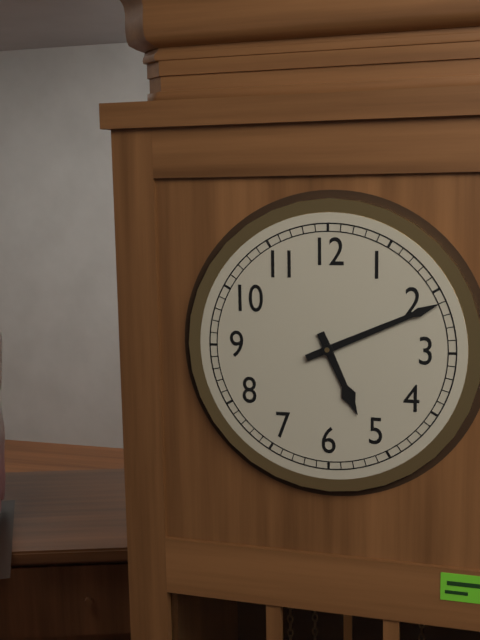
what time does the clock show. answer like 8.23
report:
5.11
